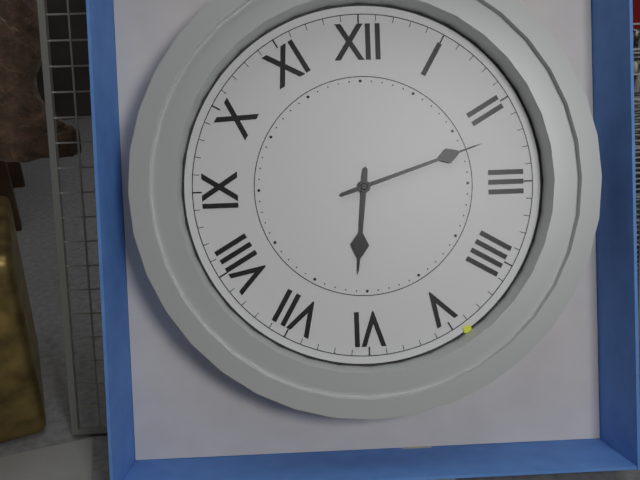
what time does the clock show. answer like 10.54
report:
6.12
